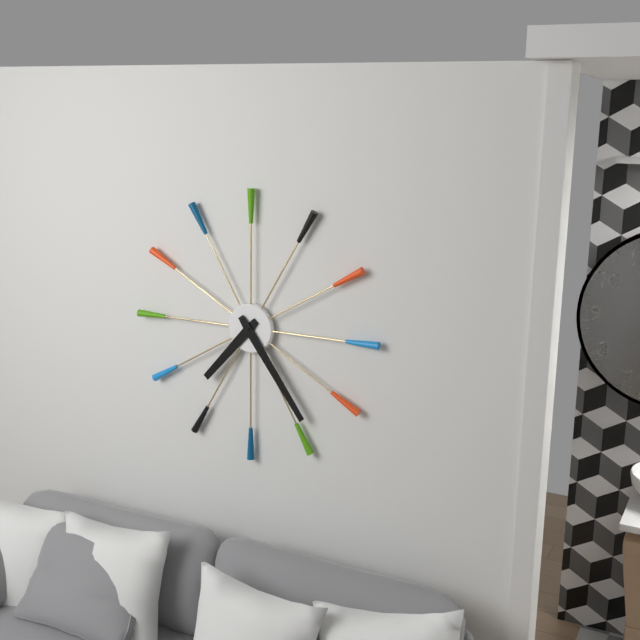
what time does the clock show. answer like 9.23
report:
7.24
